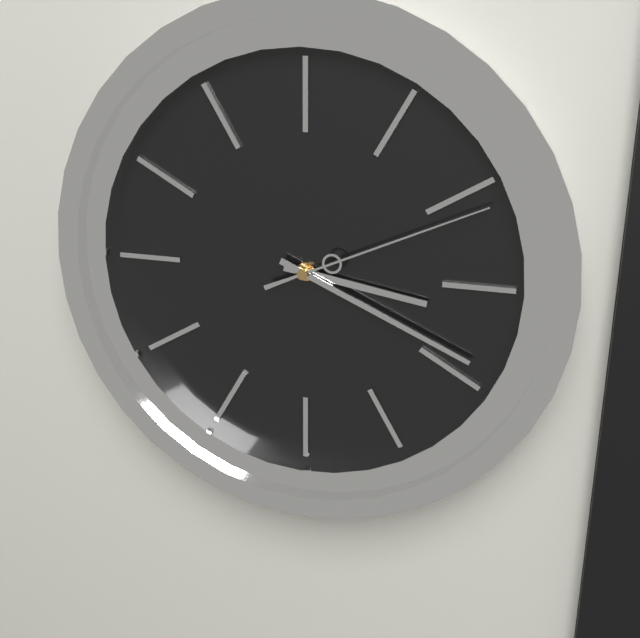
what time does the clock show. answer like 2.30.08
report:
3.19.11
